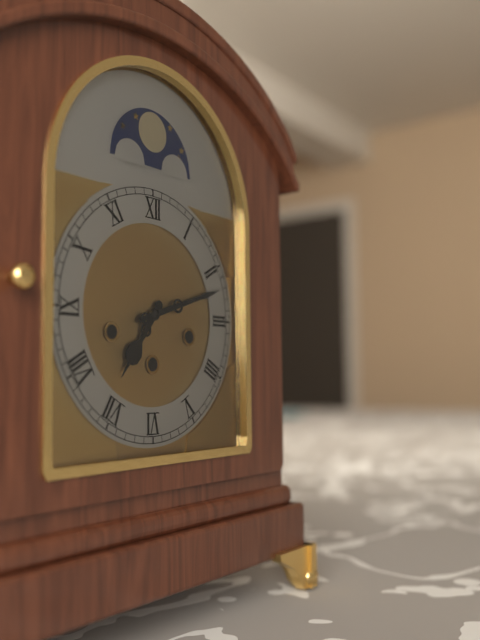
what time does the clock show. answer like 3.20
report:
7.12
